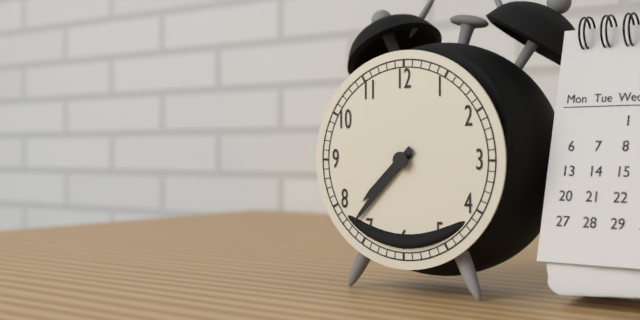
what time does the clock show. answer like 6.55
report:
7.37
